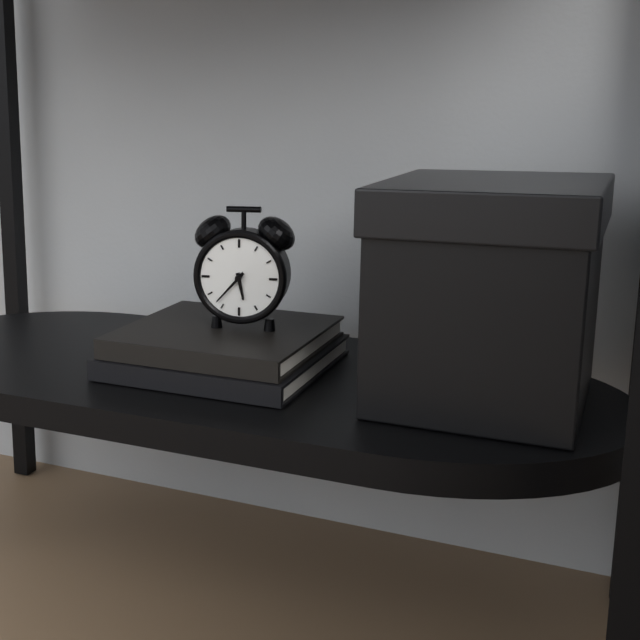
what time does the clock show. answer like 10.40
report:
5.37
